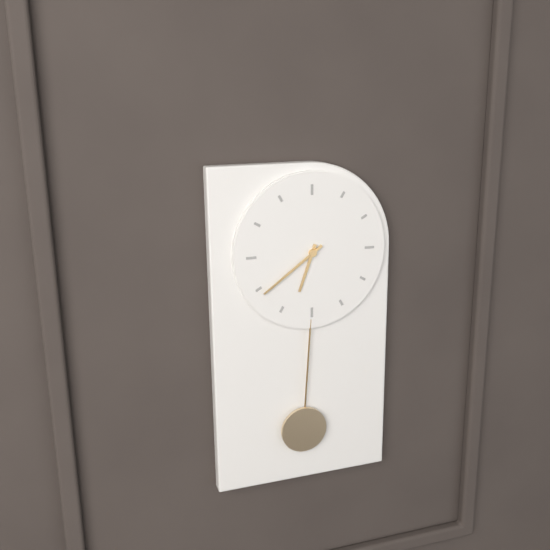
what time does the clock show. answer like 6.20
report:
6.39
